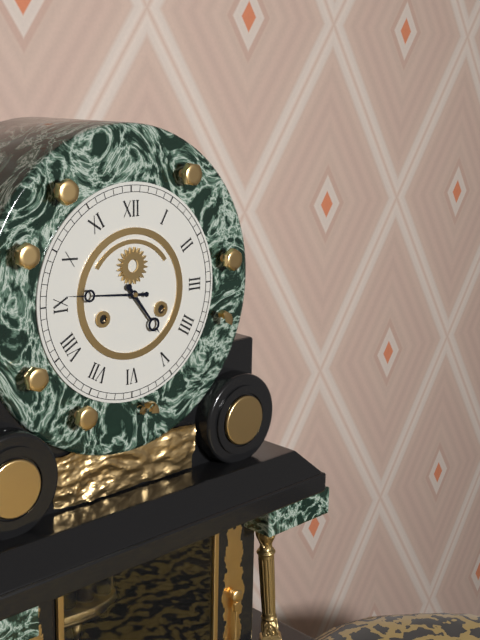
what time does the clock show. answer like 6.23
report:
4.46
